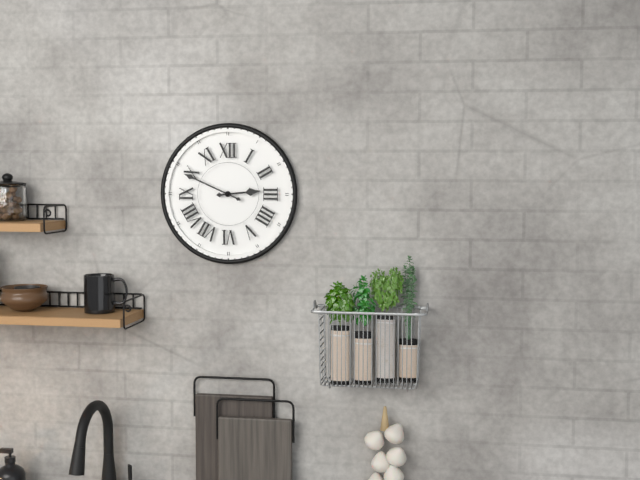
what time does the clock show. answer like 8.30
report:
2.49
